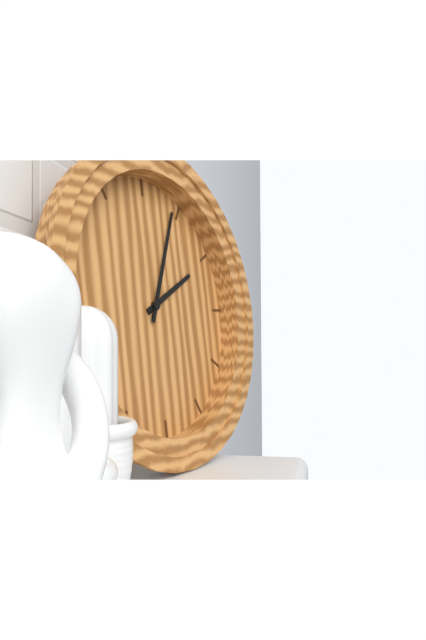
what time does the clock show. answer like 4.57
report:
2.04
